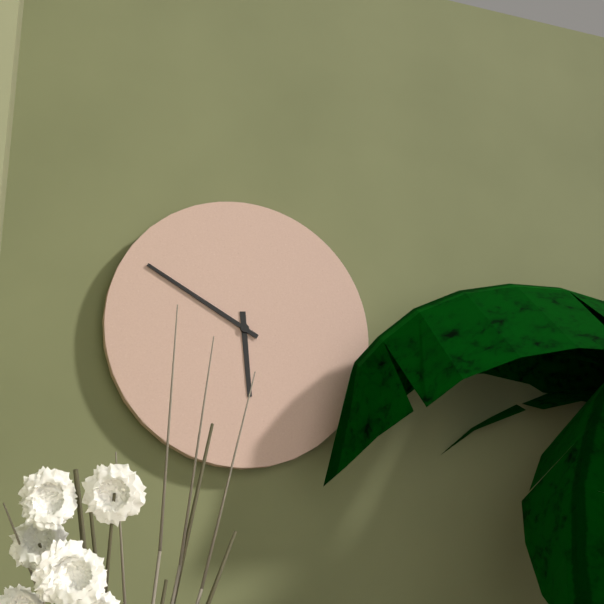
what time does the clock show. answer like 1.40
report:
5.50
